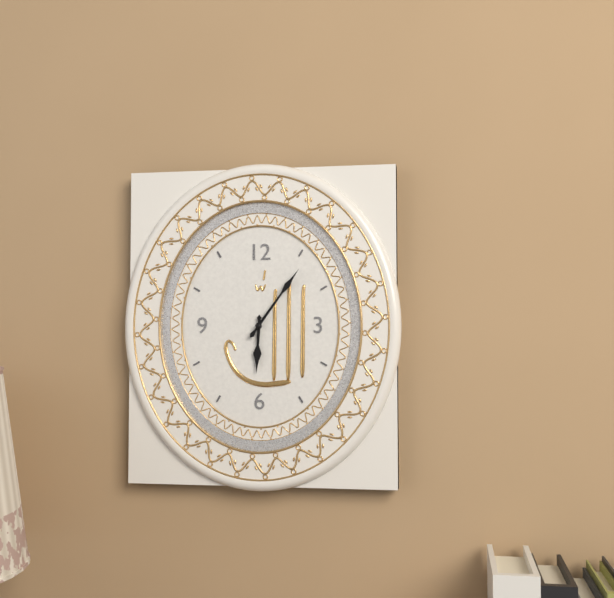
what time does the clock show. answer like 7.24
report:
6.06
